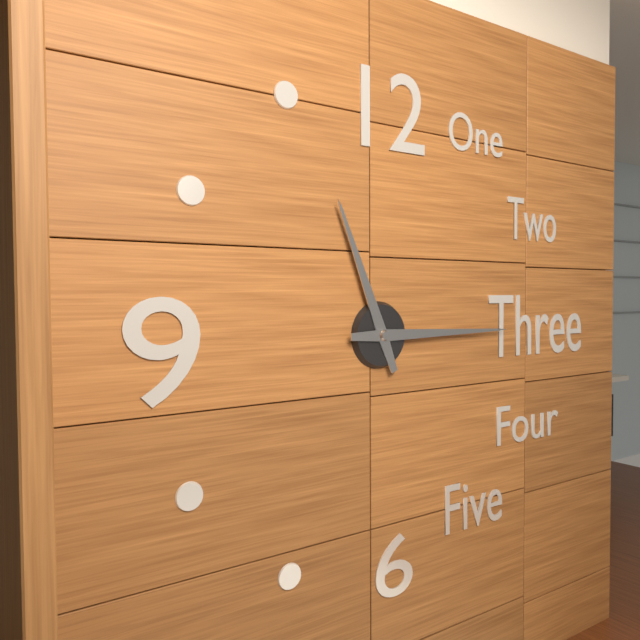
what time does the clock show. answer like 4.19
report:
11.15
